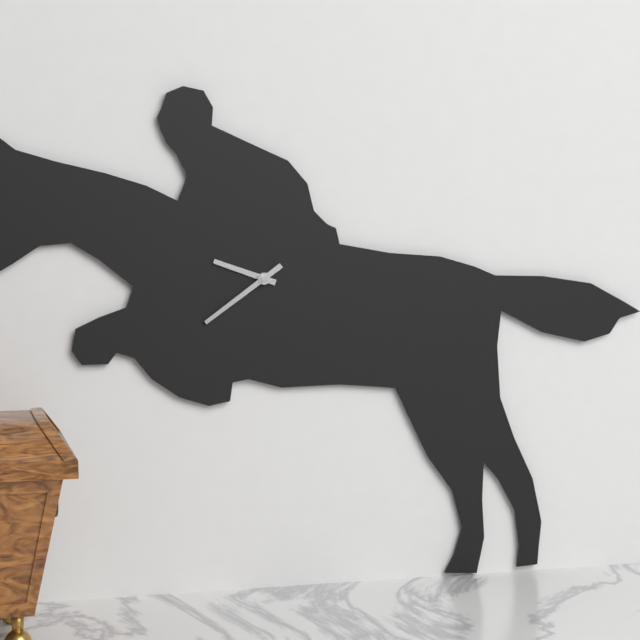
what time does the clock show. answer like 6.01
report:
9.39
